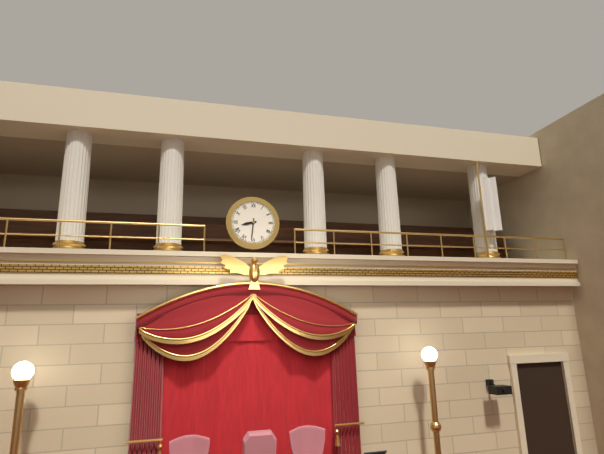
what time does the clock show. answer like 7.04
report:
8.31
